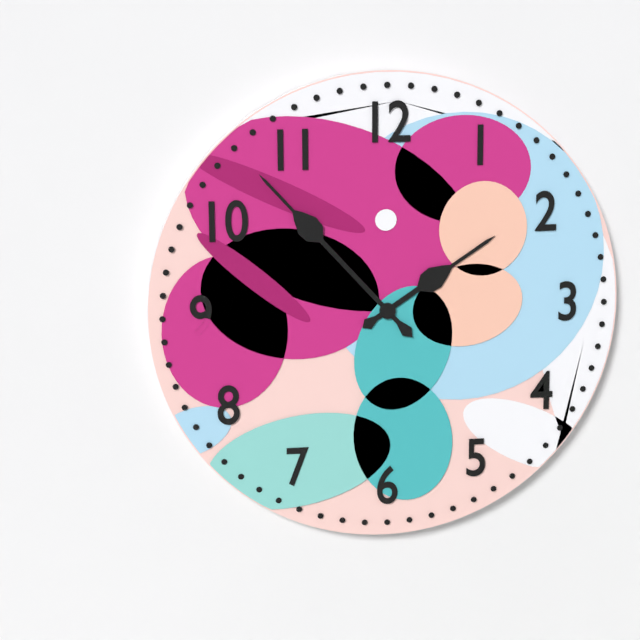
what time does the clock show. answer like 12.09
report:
1.53
